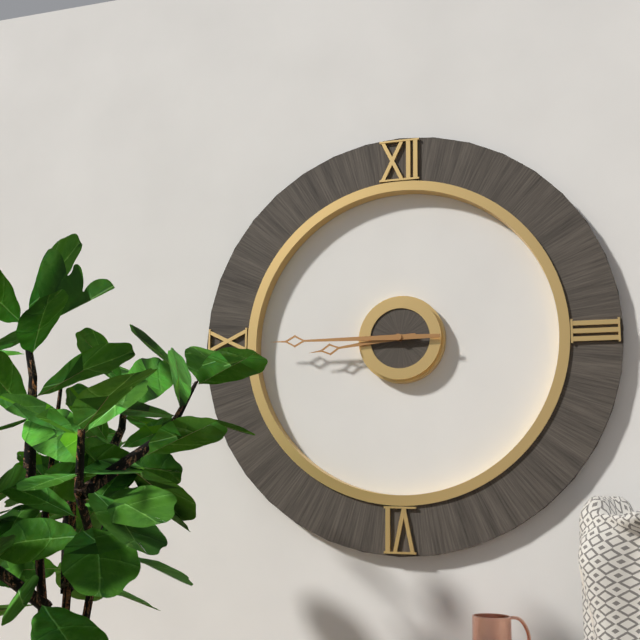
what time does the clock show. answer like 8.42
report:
8.45
